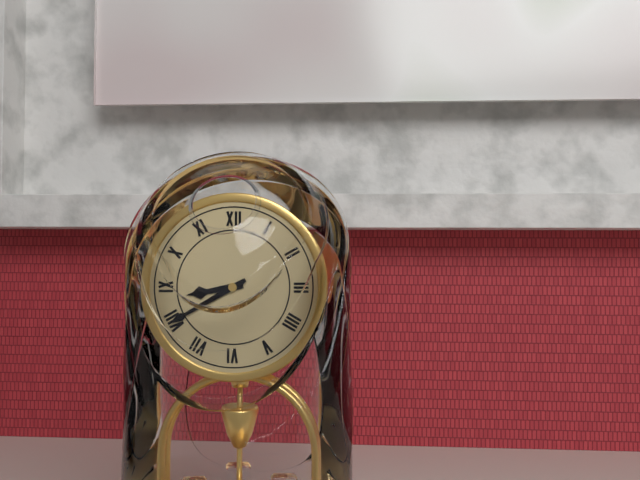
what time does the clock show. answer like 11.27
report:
8.40
